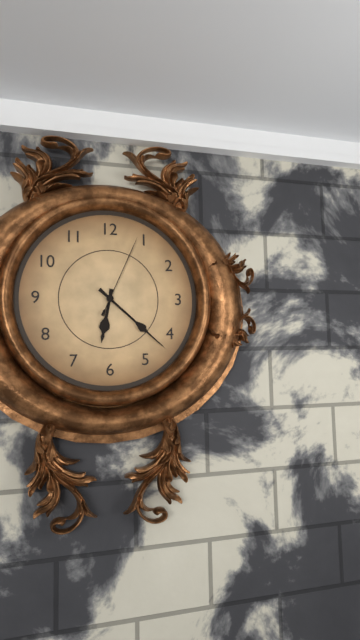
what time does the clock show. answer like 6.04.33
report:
6.22.04
